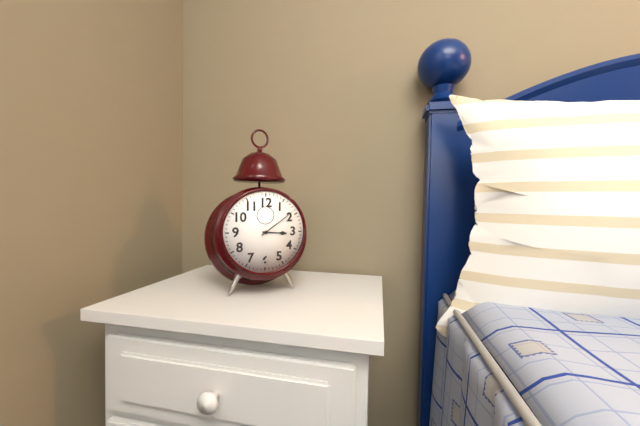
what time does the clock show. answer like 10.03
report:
3.09
